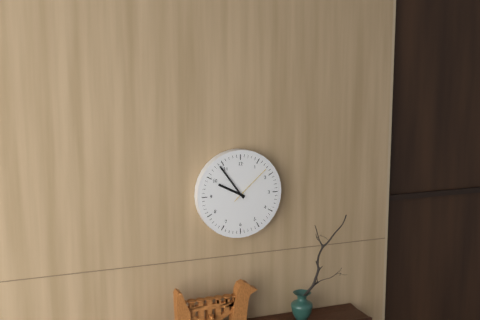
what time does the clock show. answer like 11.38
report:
9.54
